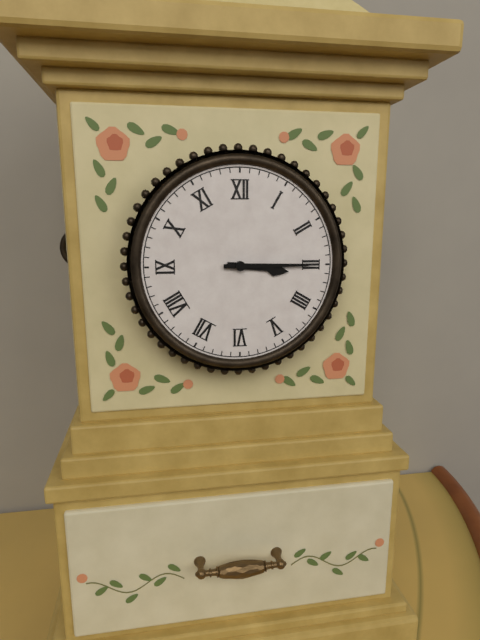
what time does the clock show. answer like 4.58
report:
3.15
